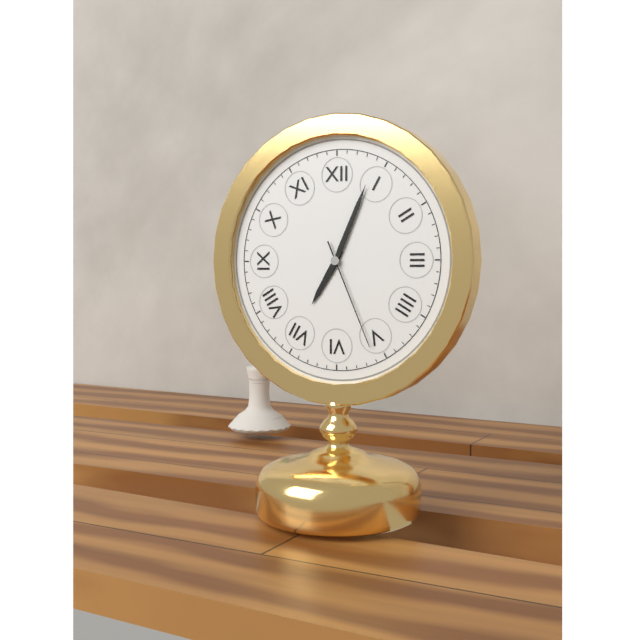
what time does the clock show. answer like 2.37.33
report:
7.04.26
